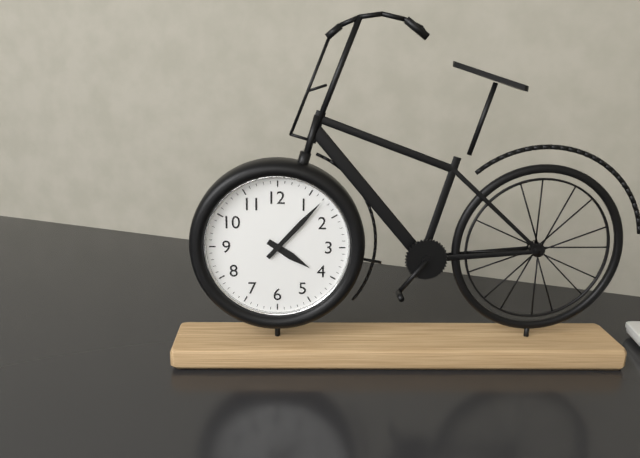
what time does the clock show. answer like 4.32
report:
4.07
